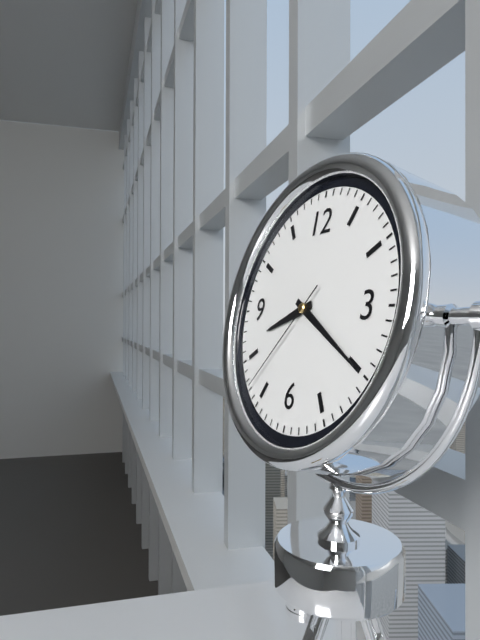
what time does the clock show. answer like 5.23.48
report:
8.20.37
